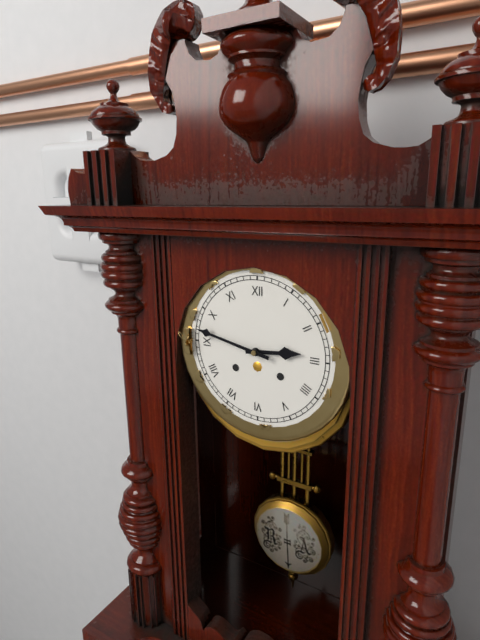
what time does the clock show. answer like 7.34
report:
2.47
